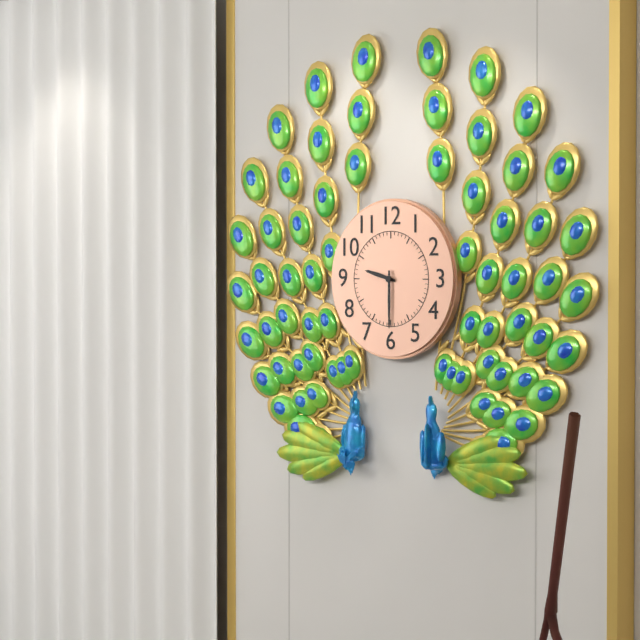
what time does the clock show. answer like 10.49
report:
9.30
